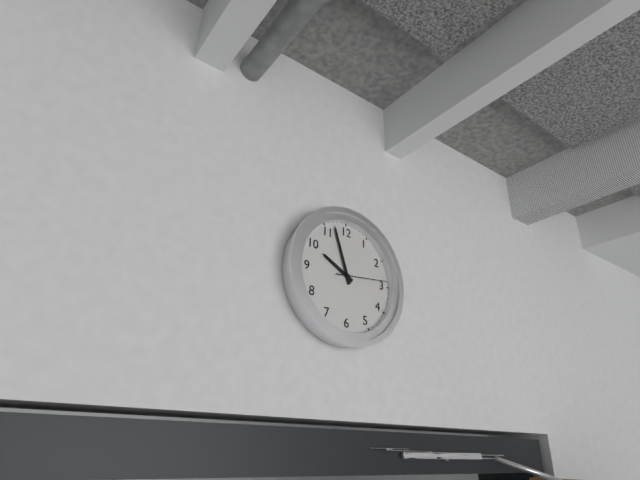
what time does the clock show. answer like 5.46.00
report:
9.57.14
